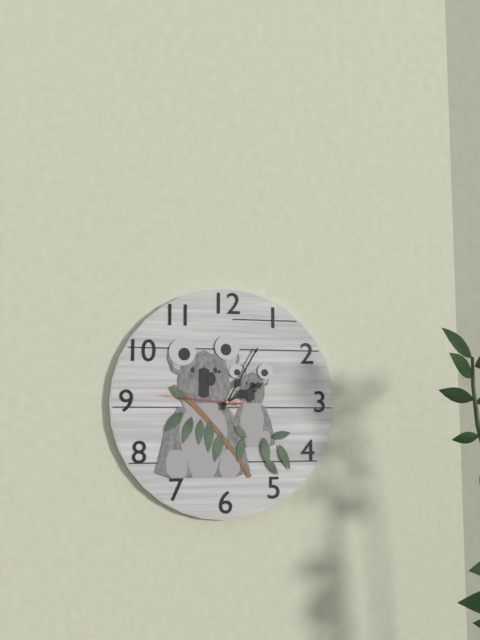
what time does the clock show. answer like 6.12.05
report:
2.05.46
